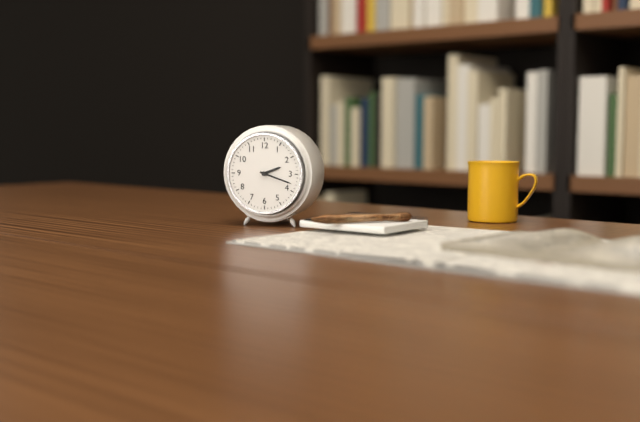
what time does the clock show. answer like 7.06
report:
2.18
